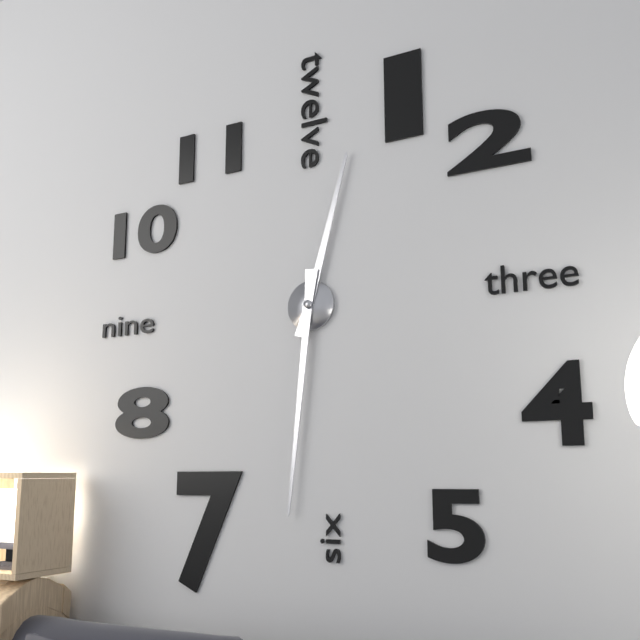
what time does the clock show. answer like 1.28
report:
12.31
